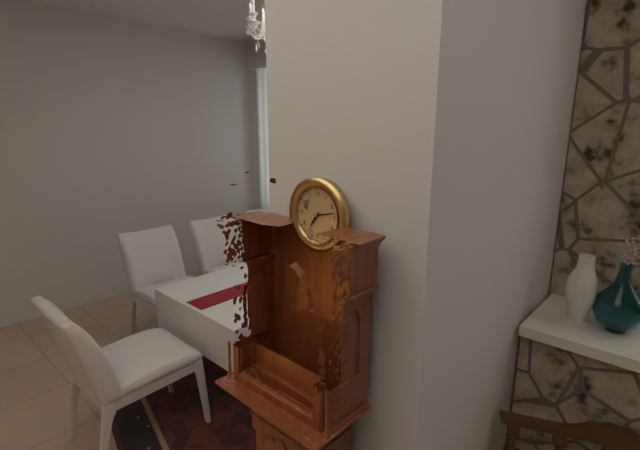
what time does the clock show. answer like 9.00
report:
7.13
